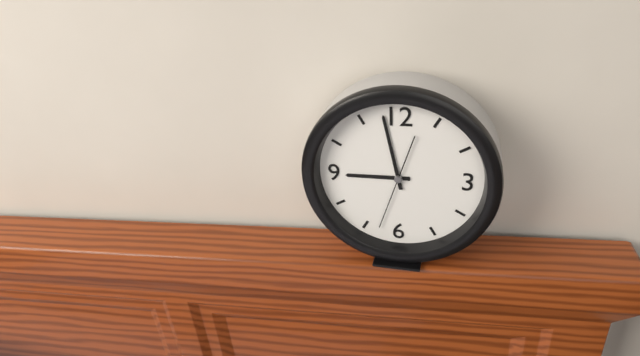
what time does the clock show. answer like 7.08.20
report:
8.58.33
